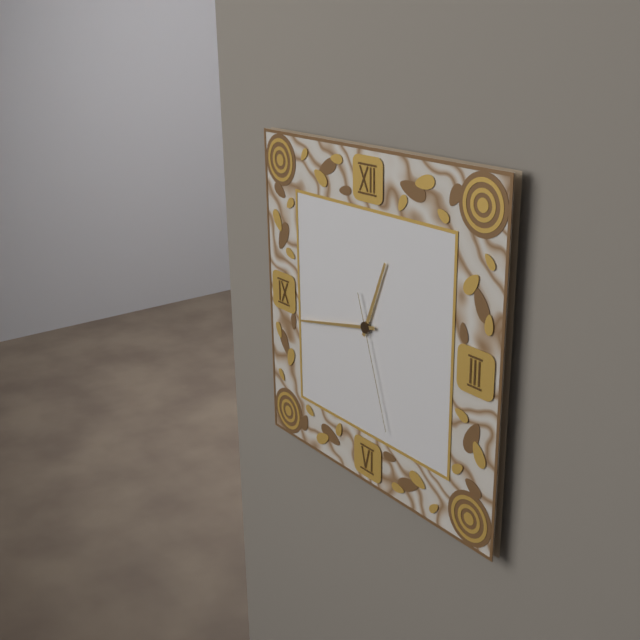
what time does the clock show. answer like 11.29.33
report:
12.43.27
